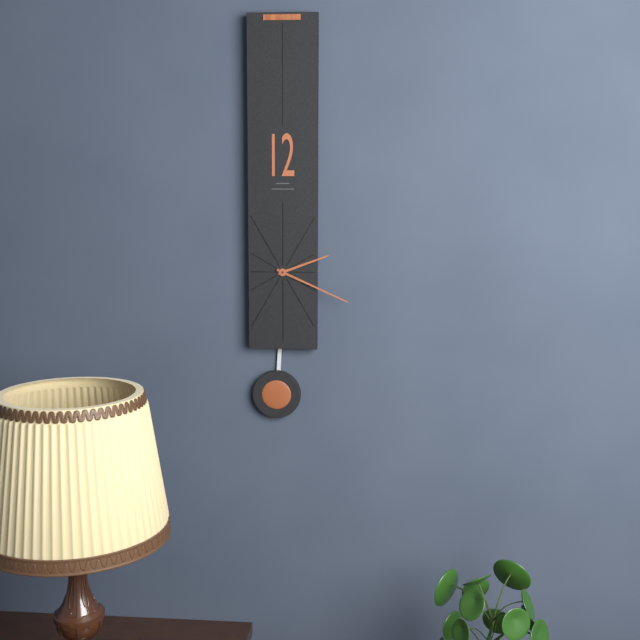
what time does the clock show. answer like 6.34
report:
2.19
